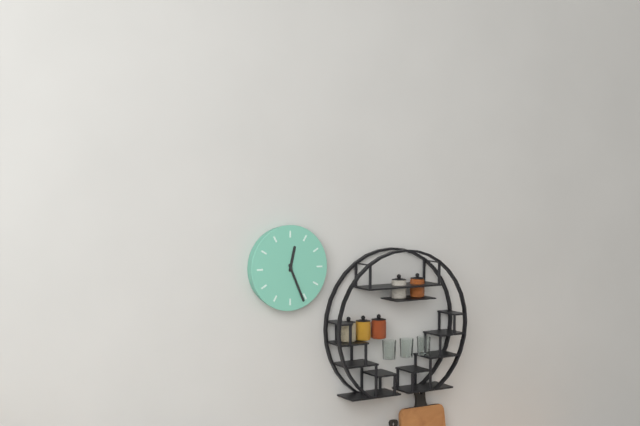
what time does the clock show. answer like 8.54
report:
12.26
